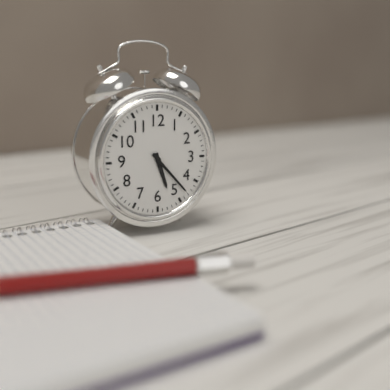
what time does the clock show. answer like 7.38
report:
5.23
